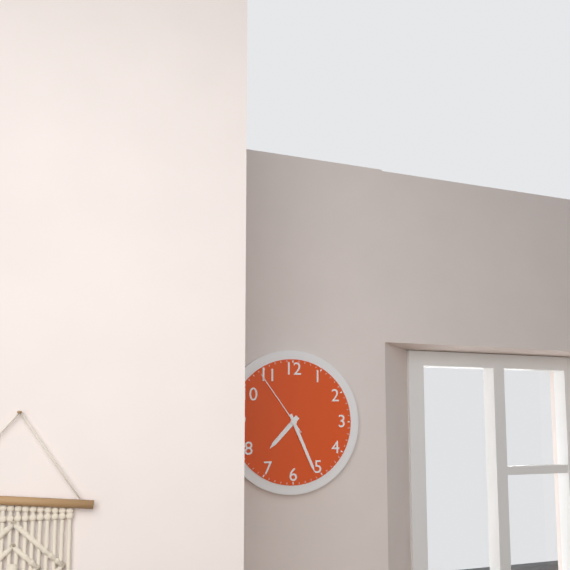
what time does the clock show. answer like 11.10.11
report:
7.26.54
